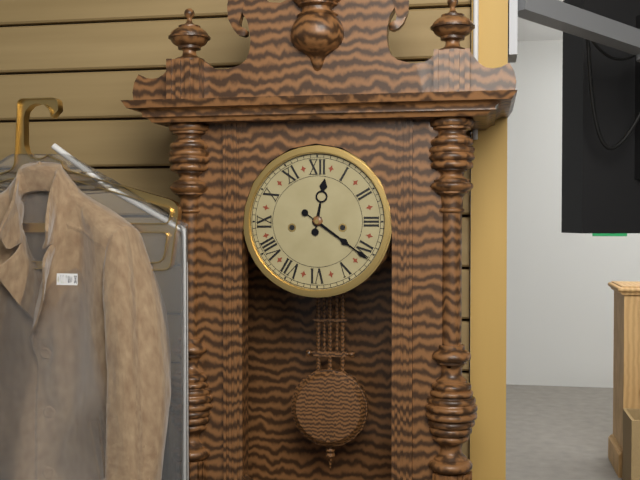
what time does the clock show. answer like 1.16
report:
12.21
